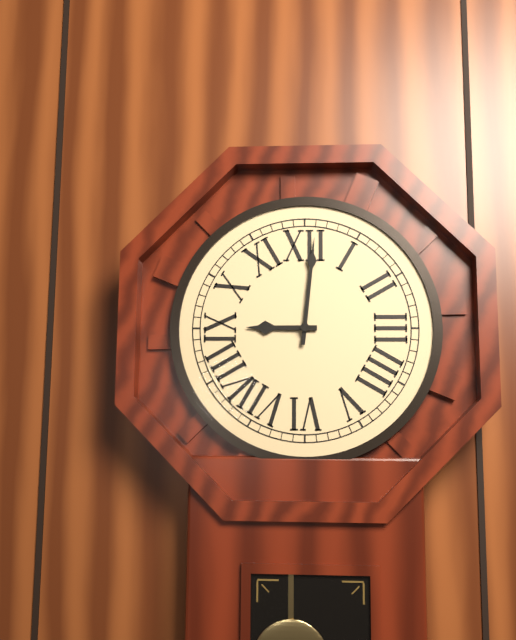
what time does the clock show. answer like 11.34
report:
9.01
